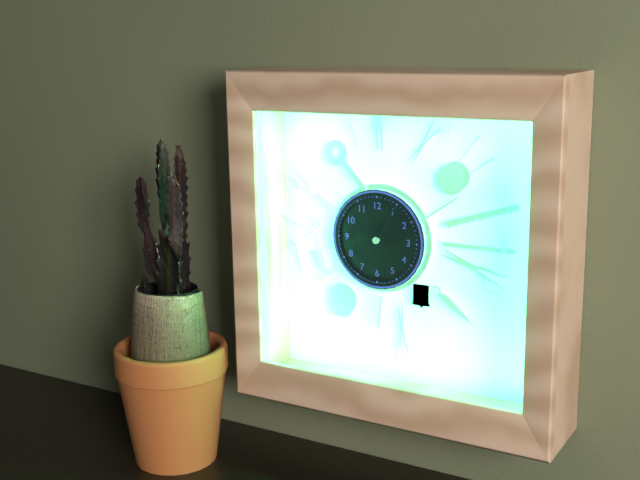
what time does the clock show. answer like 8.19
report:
10.05
